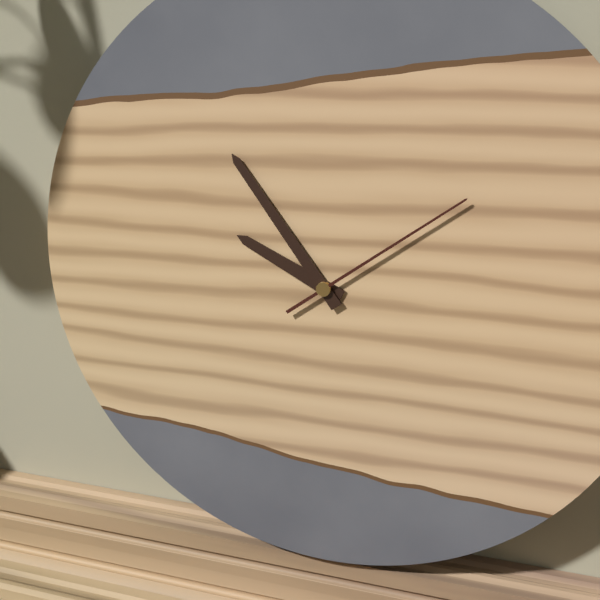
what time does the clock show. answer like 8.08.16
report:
9.54.09
